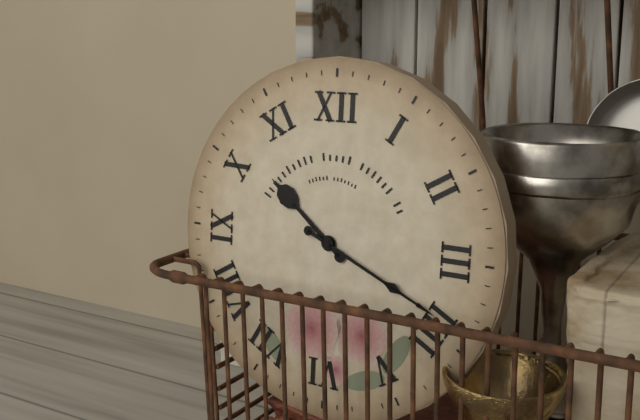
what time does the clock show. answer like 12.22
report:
10.19
